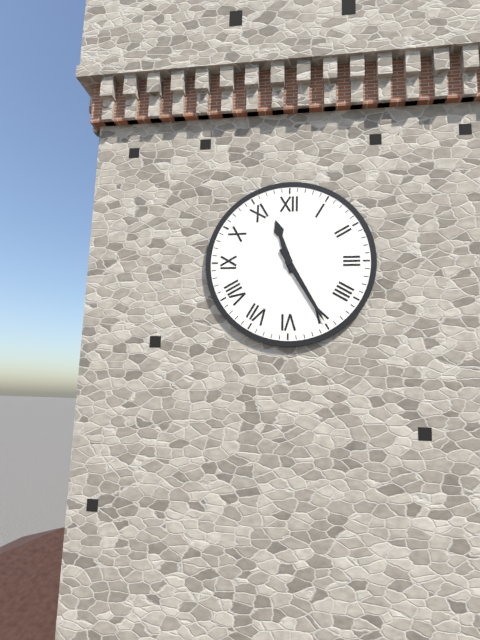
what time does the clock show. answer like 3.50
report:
11.25
